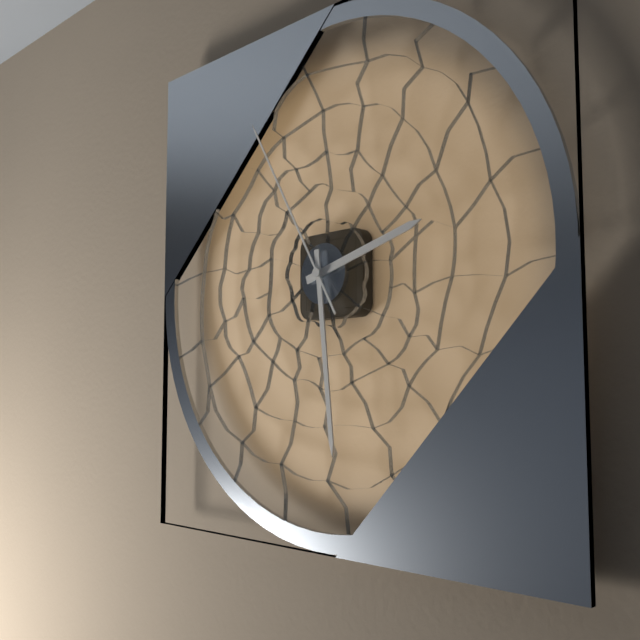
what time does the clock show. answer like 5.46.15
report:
2.29.55
